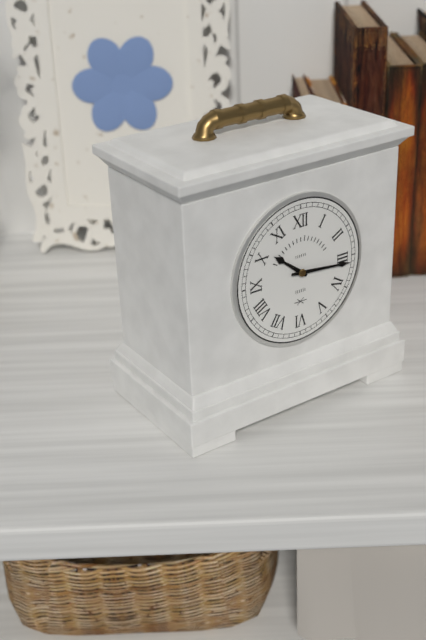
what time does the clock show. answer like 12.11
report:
10.16
